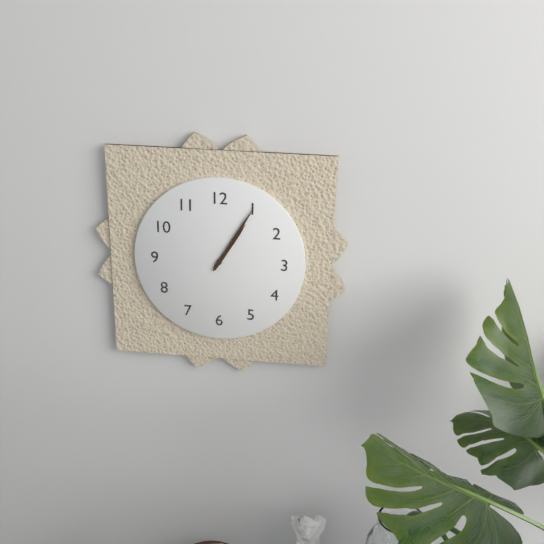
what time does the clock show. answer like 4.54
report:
1.05
